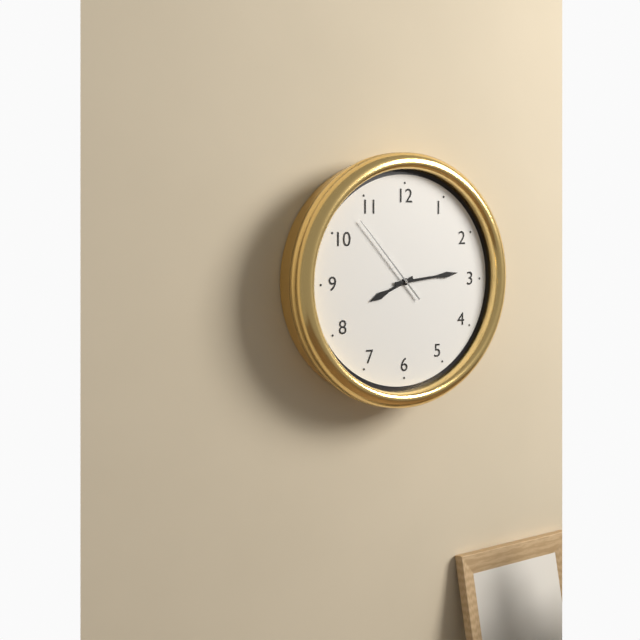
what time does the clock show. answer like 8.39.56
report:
8.14.53
